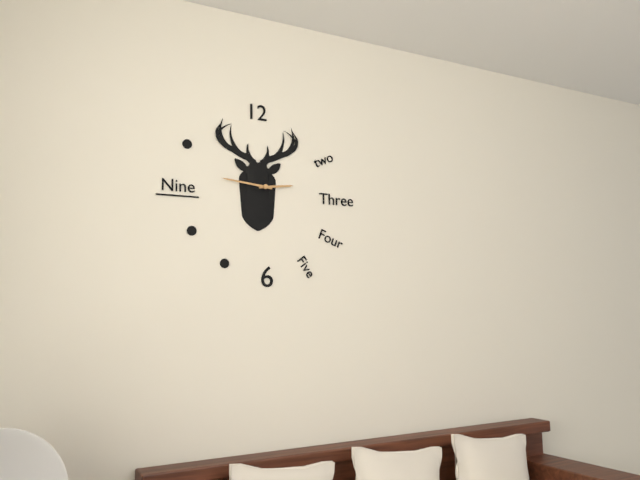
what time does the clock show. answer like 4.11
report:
2.46
